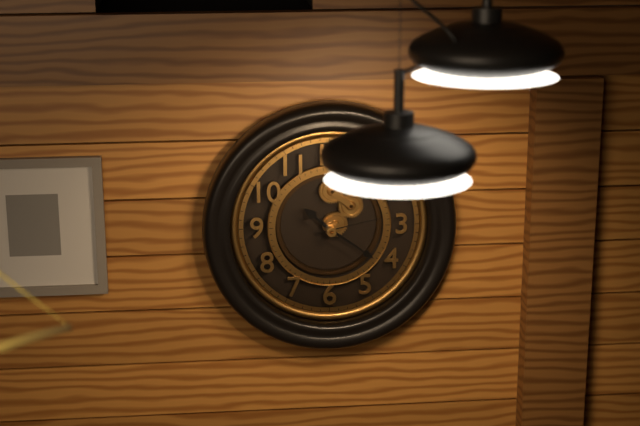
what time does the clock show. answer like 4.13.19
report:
10.21.13
